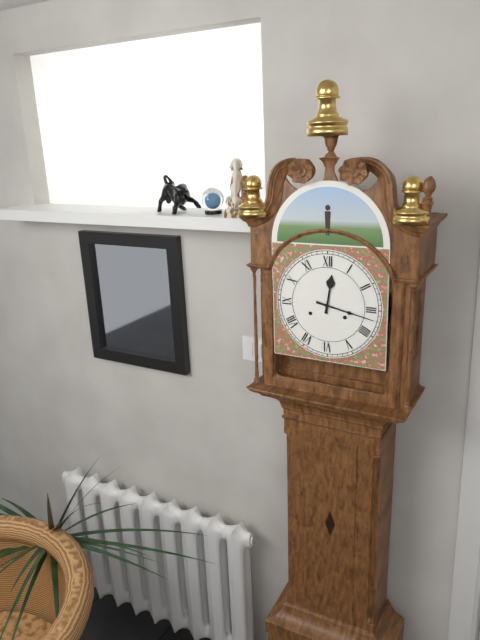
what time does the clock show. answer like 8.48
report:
12.17
